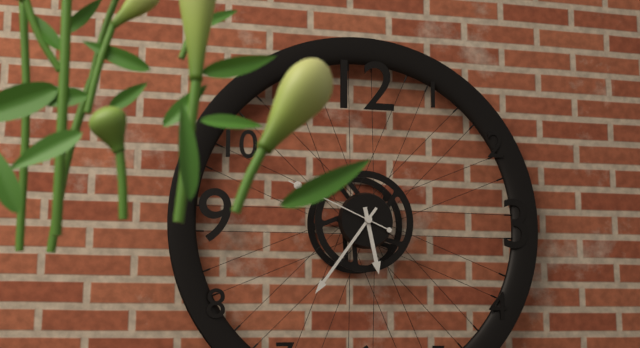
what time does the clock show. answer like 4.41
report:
5.36
